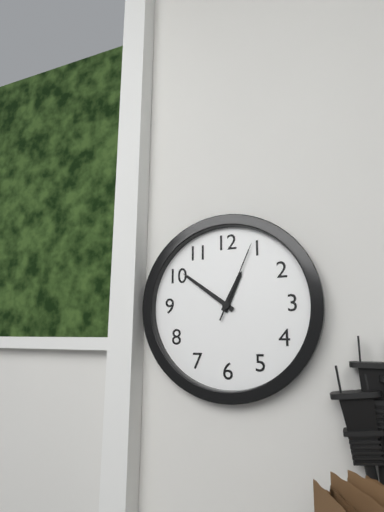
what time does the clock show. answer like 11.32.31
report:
12.51.04
